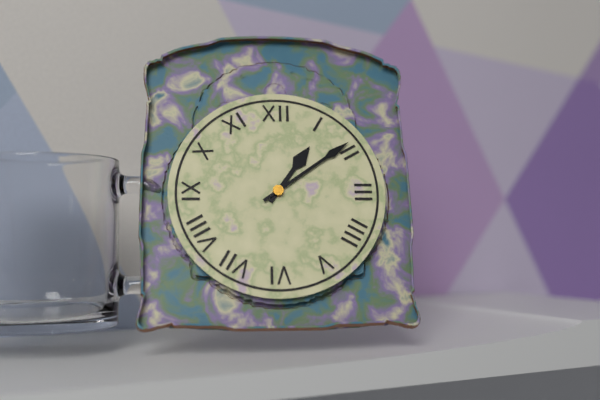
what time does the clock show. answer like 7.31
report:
1.09
